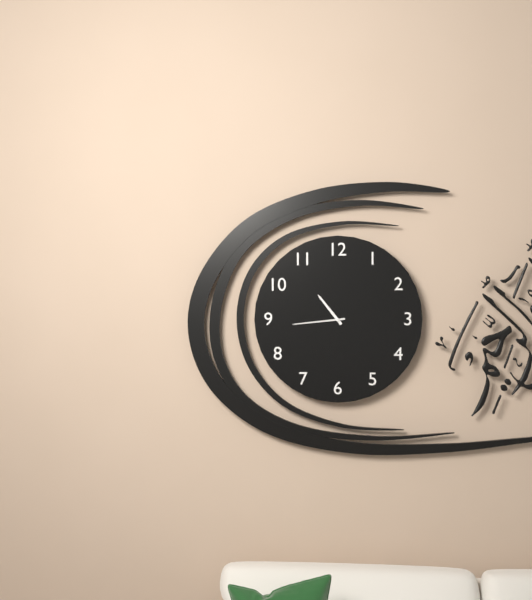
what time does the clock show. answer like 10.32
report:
10.44
